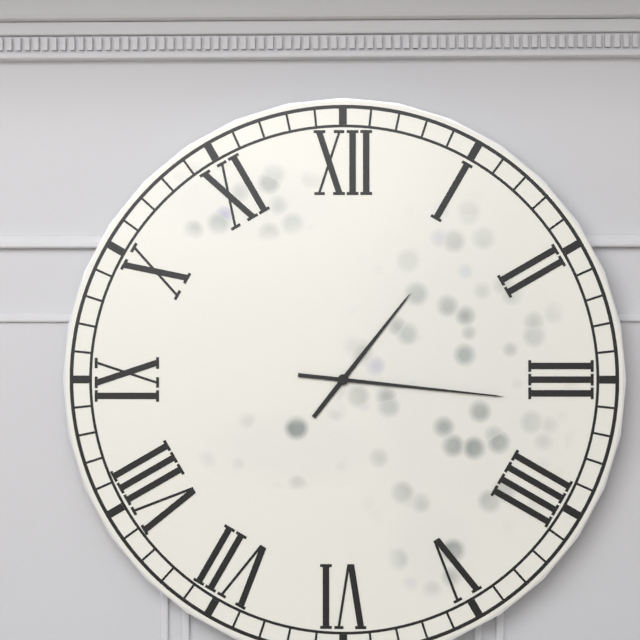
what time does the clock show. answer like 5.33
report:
1.16
